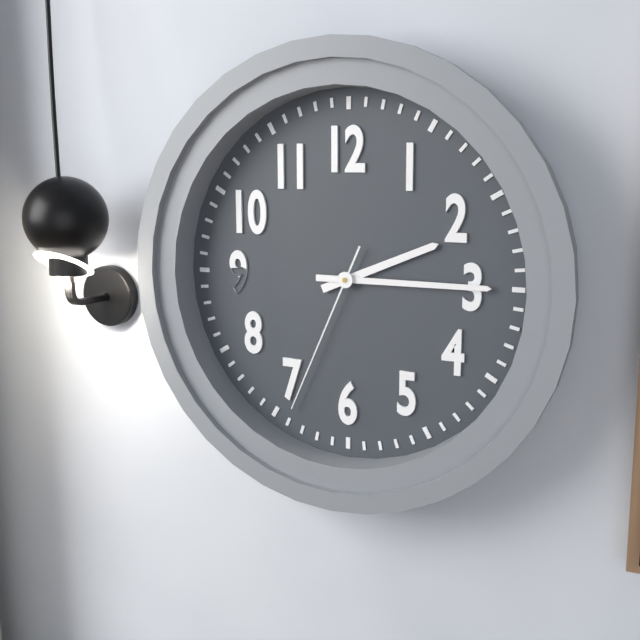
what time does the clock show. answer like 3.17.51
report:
2.15.34
